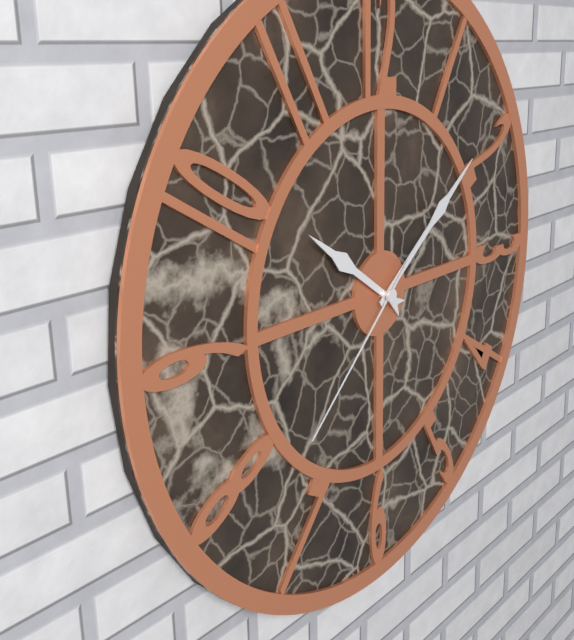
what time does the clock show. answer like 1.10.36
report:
10.09.38
